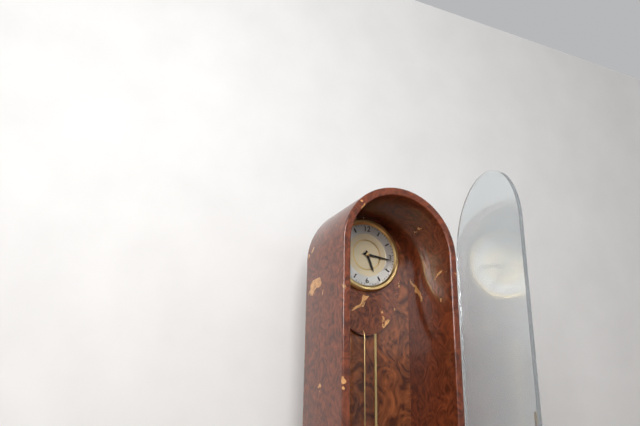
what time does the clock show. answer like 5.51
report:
5.16
